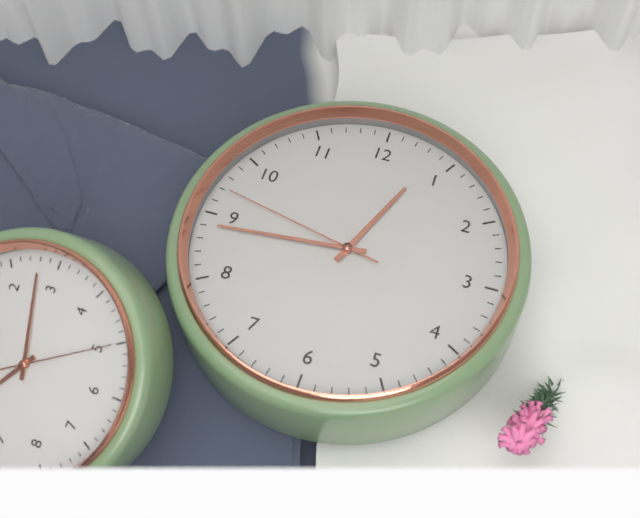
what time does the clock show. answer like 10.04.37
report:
12.44.47
